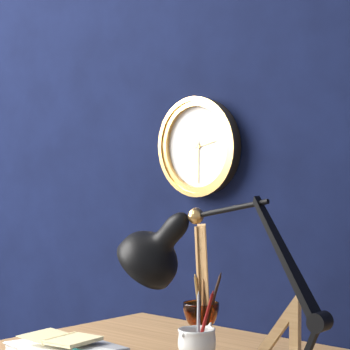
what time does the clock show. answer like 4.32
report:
2.30
